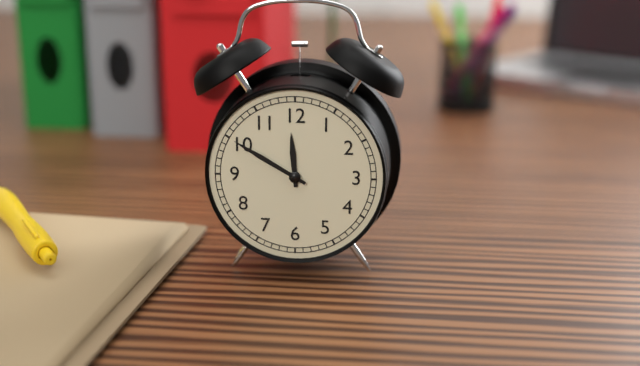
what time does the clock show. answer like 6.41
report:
11.50
